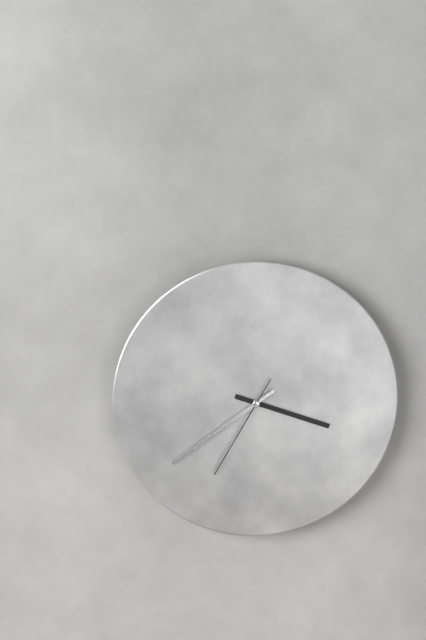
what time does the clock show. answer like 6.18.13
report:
3.39.35
